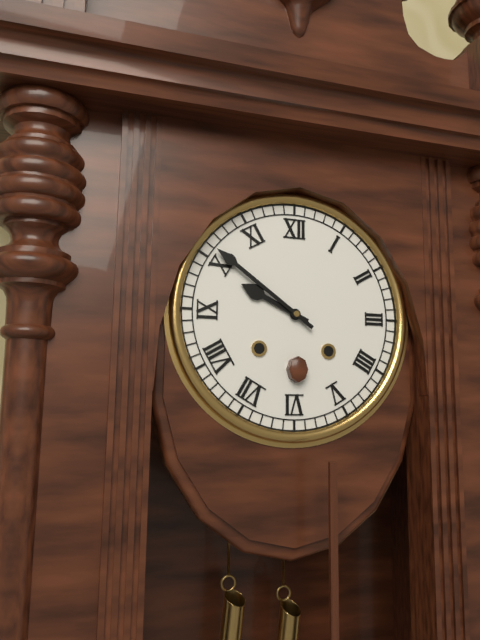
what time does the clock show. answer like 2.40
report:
9.51
